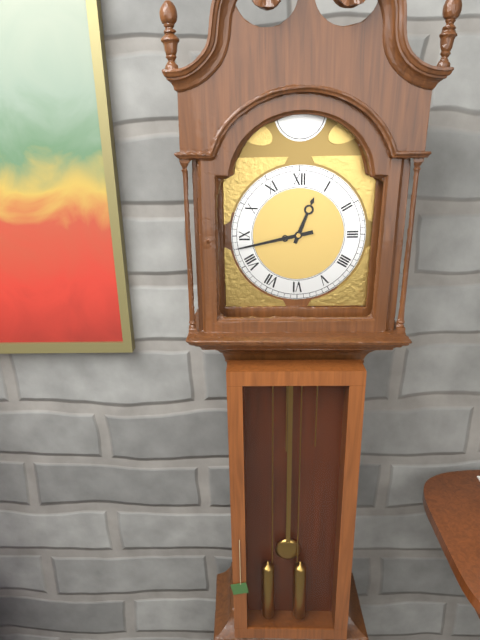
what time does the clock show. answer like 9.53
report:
12.43
